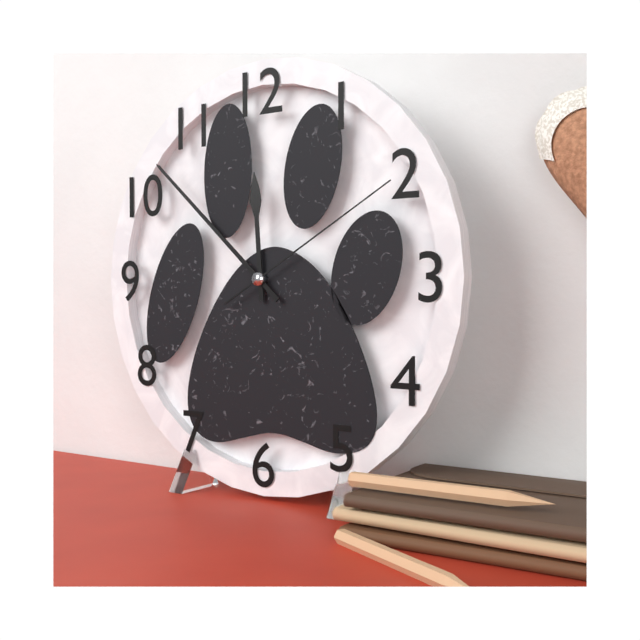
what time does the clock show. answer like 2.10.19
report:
11.52.10
